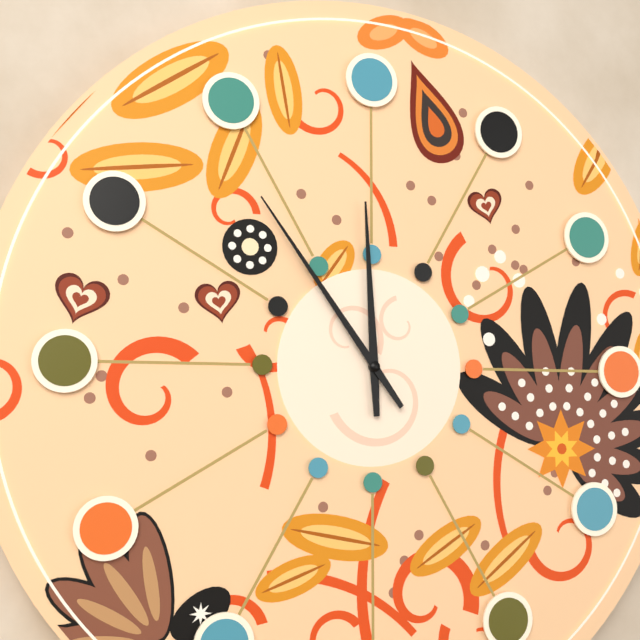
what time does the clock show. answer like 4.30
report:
11.54
